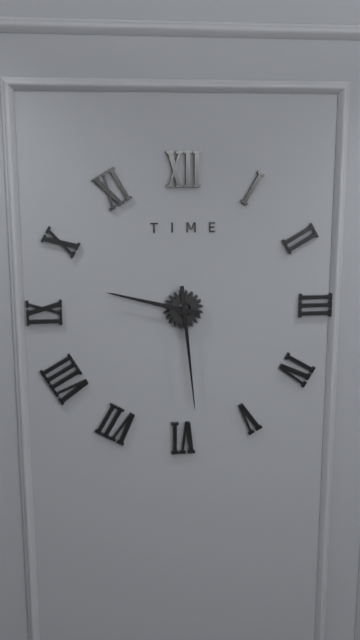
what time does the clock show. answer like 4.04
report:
9.29
